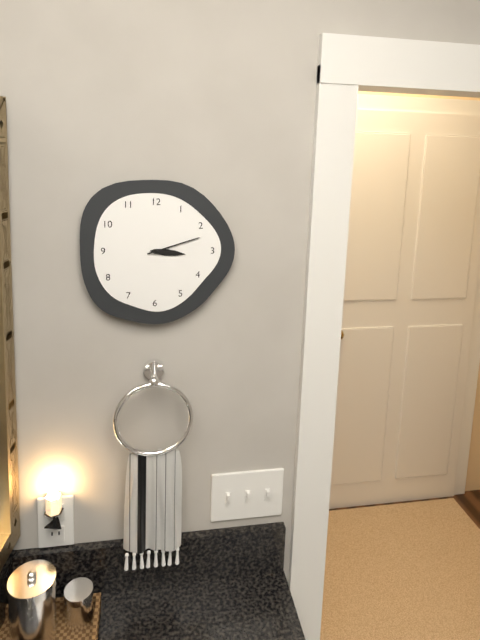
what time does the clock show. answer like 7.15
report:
3.12
